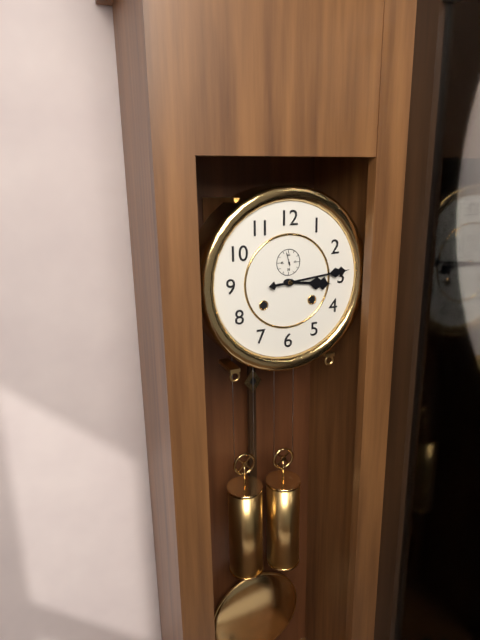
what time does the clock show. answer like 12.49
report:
3.14
